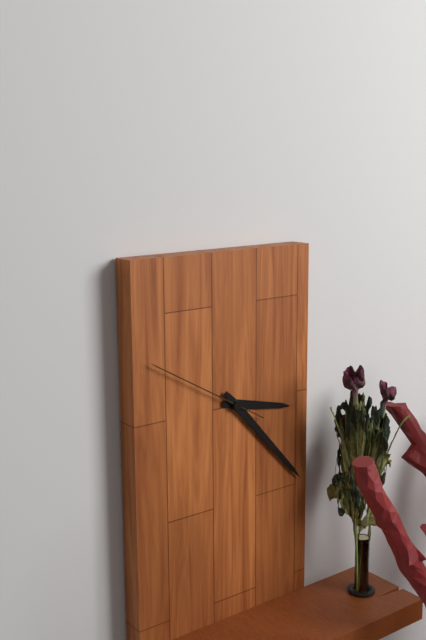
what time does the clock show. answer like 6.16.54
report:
3.23.50
